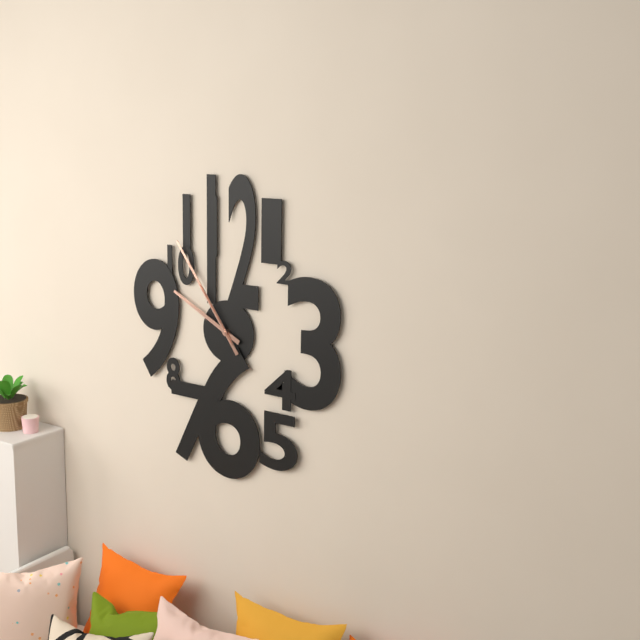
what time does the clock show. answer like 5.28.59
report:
9.54.54
